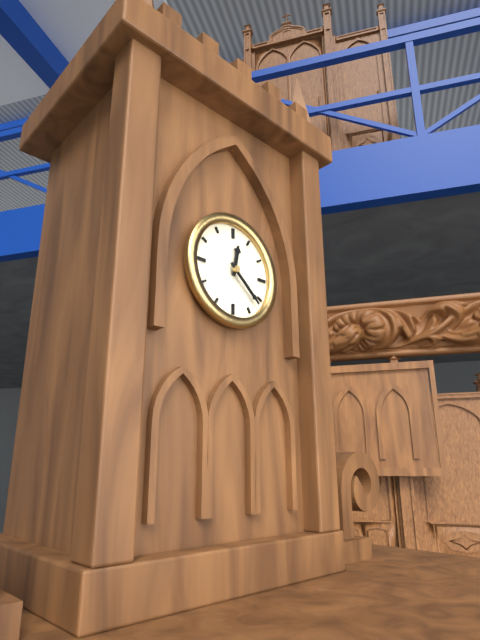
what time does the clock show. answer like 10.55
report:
12.22
